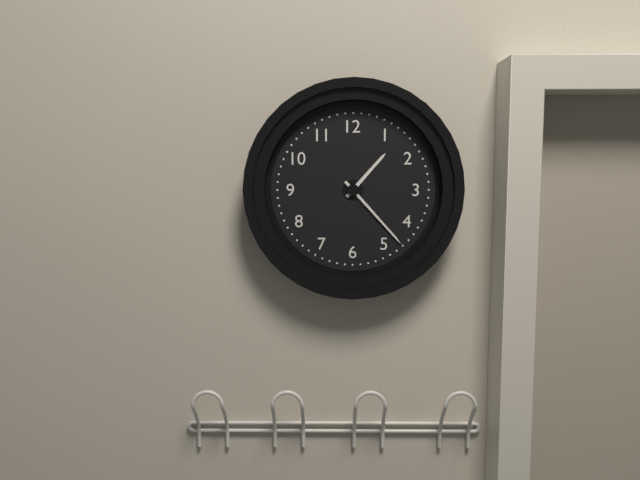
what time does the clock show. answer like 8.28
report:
1.23
